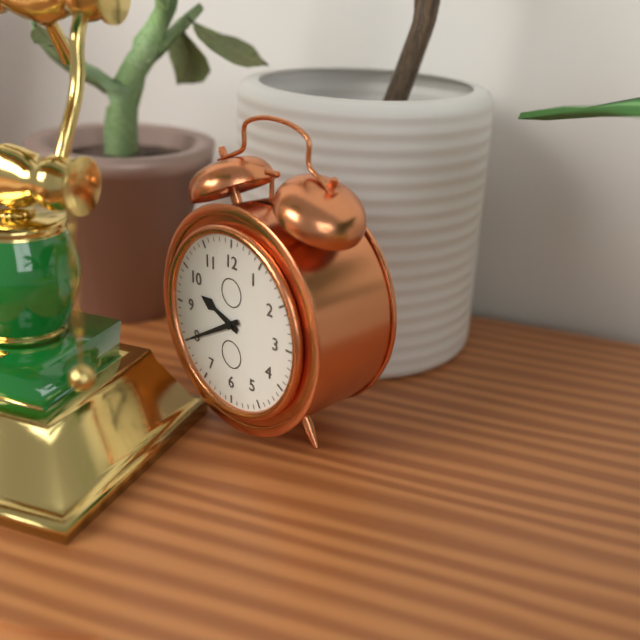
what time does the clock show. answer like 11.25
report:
9.40
